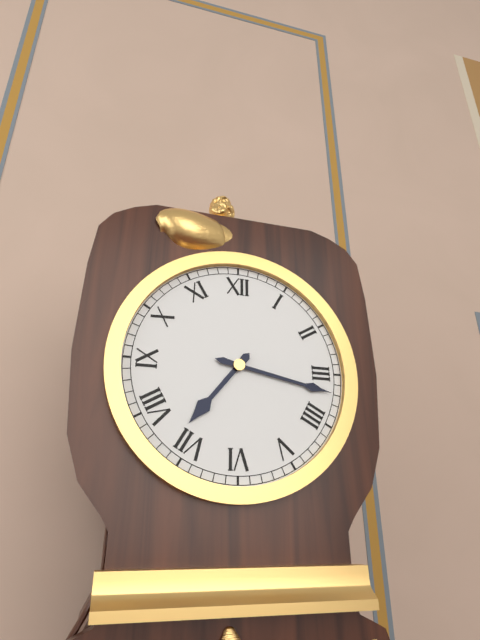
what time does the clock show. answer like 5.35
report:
7.17
